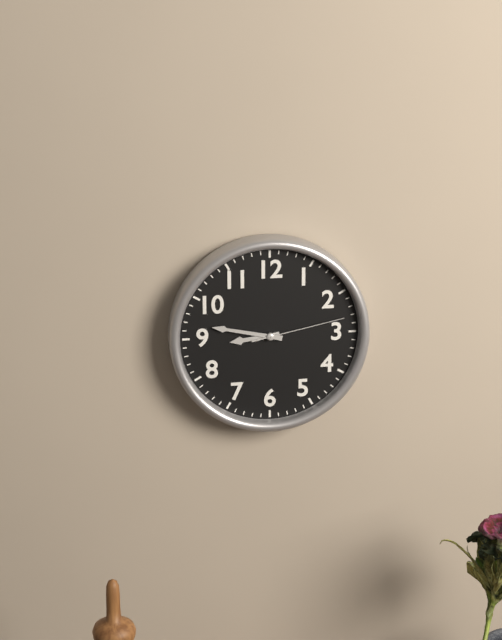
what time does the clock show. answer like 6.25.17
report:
8.47.13
